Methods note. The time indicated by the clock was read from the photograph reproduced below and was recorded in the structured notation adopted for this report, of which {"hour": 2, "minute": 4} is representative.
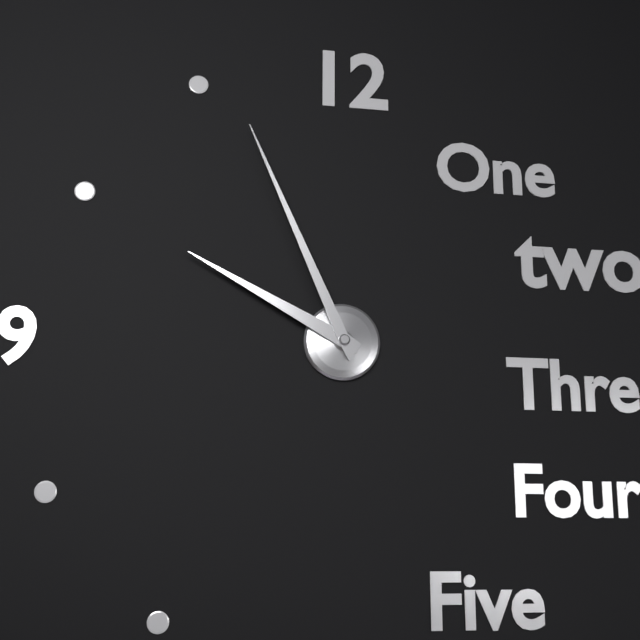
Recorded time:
{"hour": 9, "minute": 56}
